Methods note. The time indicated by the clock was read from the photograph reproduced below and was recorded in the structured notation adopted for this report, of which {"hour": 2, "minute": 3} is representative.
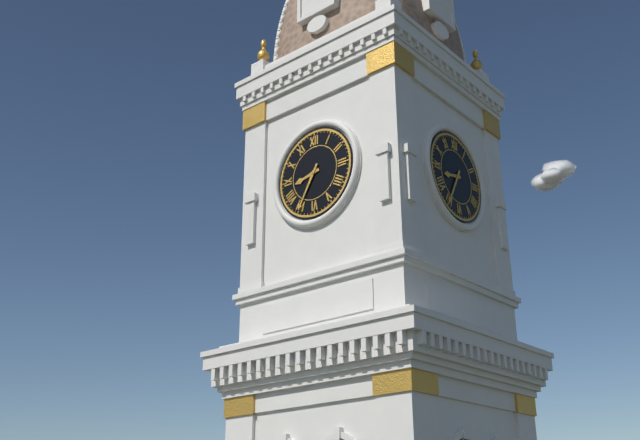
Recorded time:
{"hour": 8, "minute": 35}
